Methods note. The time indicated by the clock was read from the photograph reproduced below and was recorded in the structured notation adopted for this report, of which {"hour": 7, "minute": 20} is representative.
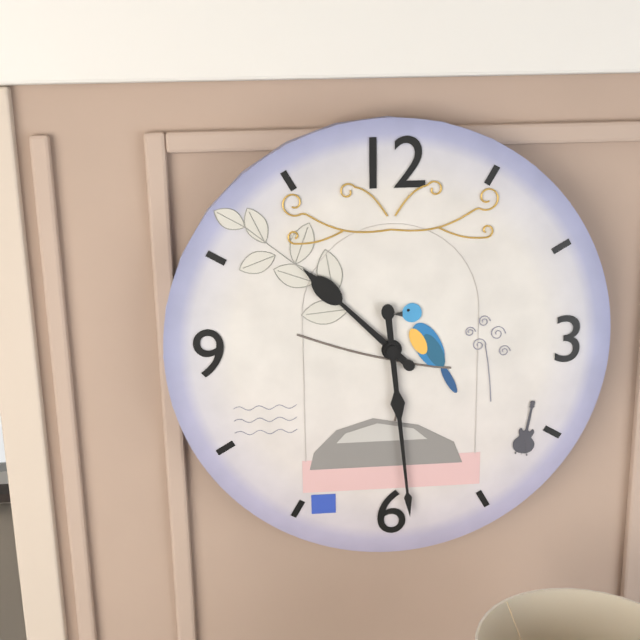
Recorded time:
{"hour": 10, "minute": 29}
